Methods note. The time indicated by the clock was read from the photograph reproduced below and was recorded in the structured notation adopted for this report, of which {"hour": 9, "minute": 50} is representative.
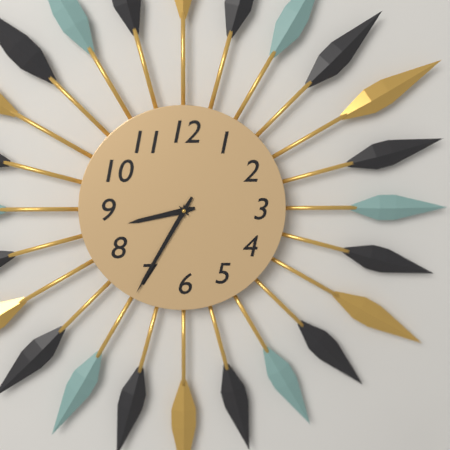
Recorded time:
{"hour": 8, "minute": 35}
